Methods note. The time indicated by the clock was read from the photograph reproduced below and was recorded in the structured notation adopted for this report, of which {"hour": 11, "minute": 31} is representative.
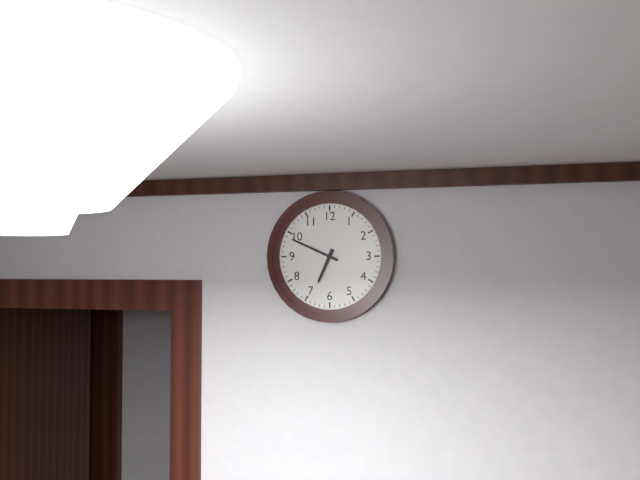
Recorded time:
{"hour": 6, "minute": 49}
